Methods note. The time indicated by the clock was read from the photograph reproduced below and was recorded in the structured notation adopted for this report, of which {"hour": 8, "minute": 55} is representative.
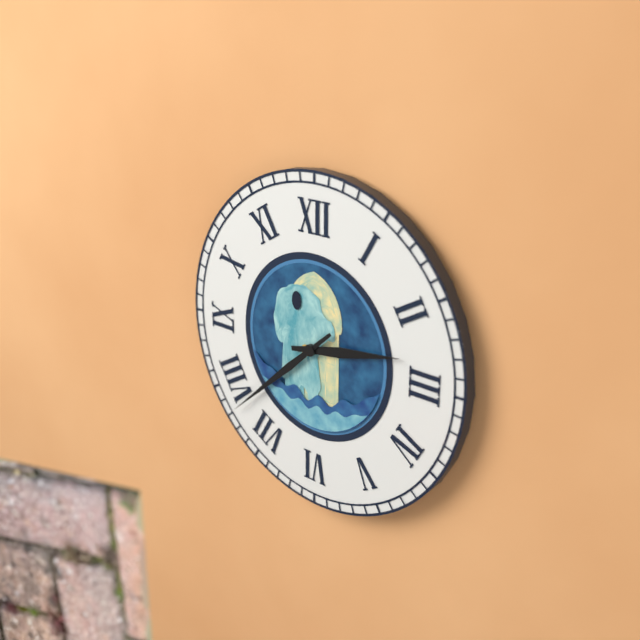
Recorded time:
{"hour": 2, "minute": 38}
